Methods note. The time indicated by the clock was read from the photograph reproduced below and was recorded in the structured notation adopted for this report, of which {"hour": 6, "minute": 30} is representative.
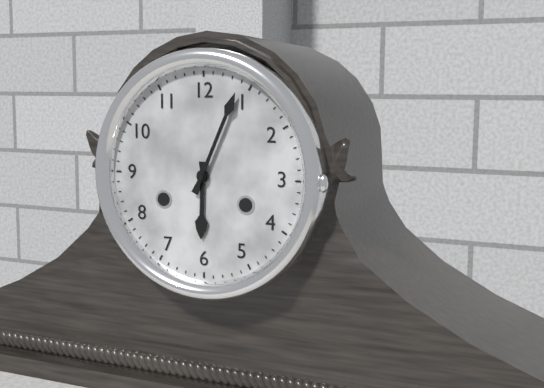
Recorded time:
{"hour": 6, "minute": 4}
